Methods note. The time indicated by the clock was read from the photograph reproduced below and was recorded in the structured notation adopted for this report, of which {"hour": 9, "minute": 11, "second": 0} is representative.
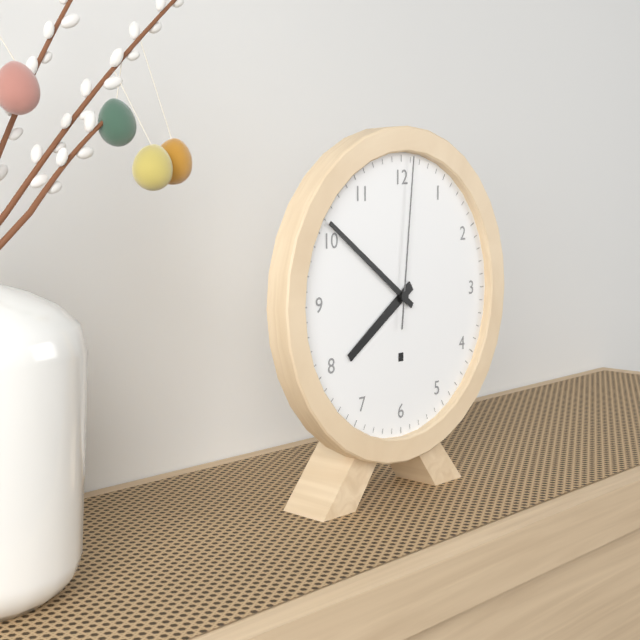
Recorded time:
{"hour": 7, "minute": 51, "second": 1}
